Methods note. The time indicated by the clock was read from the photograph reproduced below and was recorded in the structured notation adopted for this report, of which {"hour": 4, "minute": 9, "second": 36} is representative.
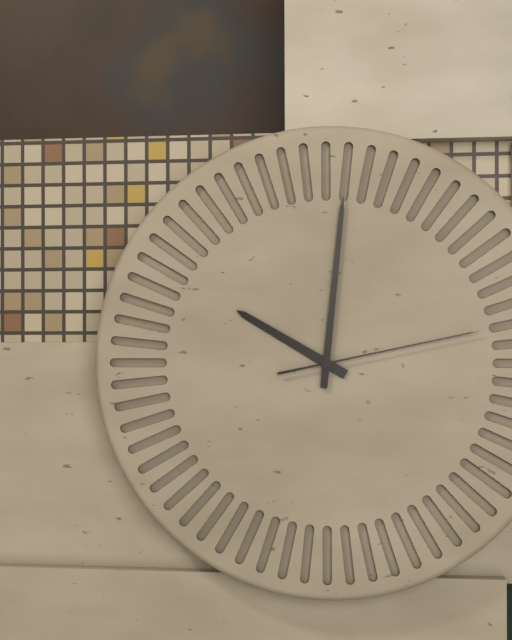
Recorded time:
{"hour": 10, "minute": 1, "second": 13}
